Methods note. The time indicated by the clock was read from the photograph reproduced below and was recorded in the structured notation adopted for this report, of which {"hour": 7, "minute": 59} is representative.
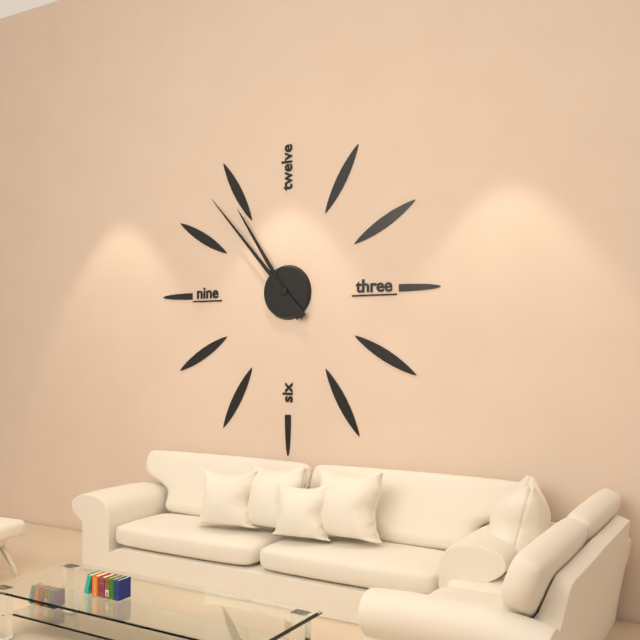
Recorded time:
{"hour": 10, "minute": 53}
